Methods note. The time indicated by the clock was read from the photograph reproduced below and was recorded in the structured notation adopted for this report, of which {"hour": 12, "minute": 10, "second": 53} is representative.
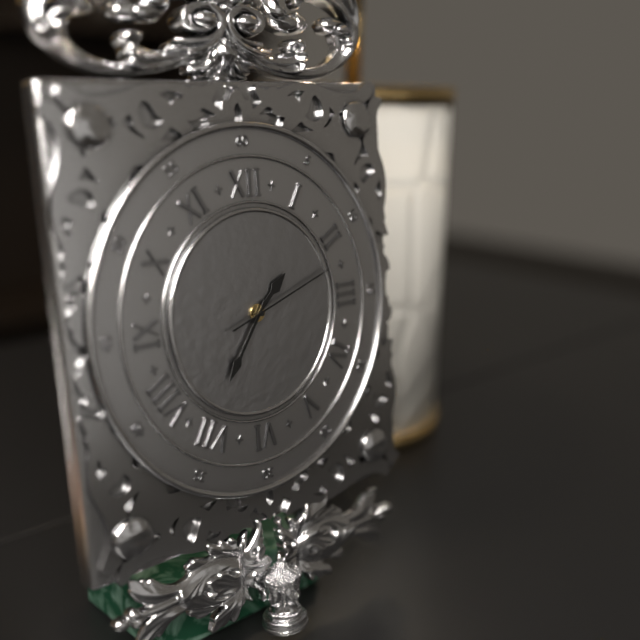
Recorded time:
{"hour": 1, "minute": 36, "second": 12}
